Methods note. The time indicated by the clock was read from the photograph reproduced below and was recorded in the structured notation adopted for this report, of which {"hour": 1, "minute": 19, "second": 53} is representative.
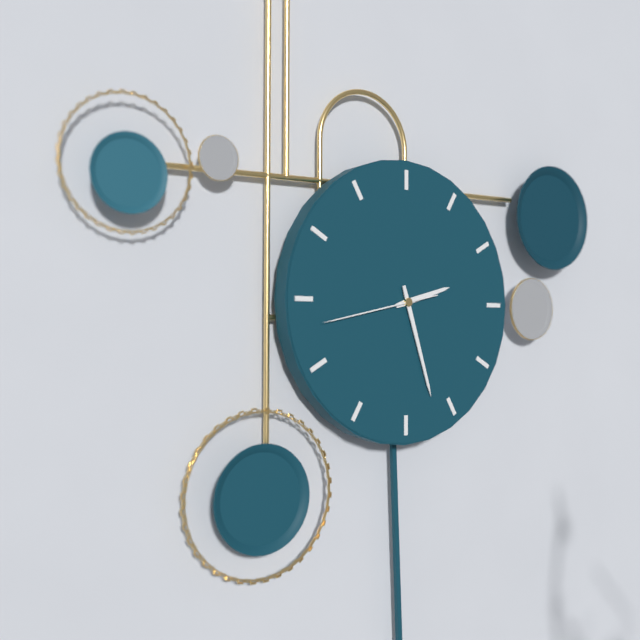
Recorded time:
{"hour": 2, "minute": 27, "second": 43}
